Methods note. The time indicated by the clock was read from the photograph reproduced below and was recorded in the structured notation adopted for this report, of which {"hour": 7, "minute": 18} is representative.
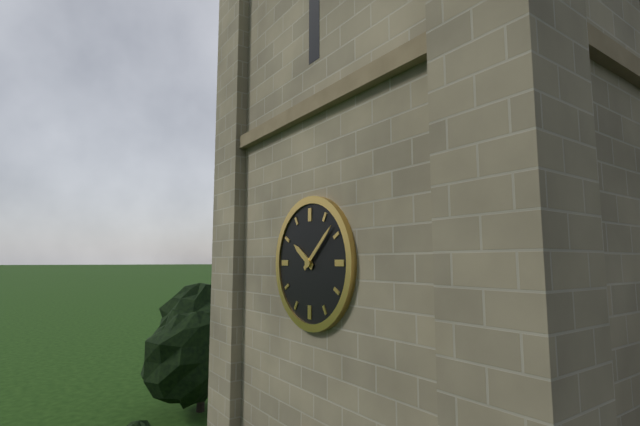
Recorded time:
{"hour": 10, "minute": 8}
